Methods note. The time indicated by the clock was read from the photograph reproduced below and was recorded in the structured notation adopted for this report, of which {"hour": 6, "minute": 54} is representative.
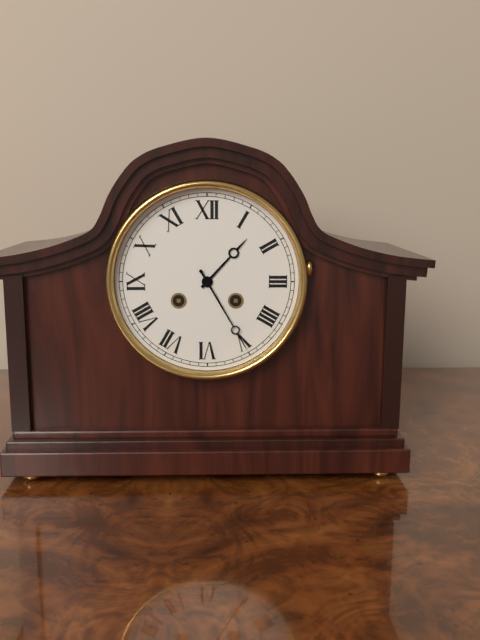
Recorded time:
{"hour": 1, "minute": 25}
